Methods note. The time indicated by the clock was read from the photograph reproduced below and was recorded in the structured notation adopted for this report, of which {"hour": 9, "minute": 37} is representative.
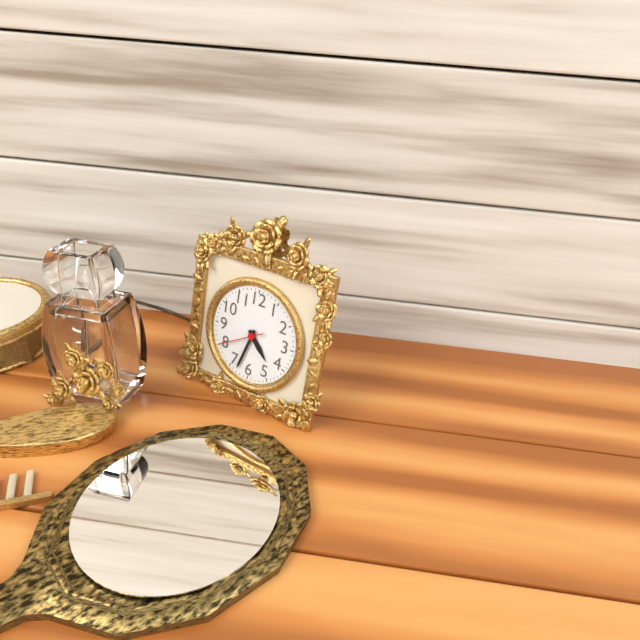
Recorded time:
{"hour": 4, "minute": 33}
